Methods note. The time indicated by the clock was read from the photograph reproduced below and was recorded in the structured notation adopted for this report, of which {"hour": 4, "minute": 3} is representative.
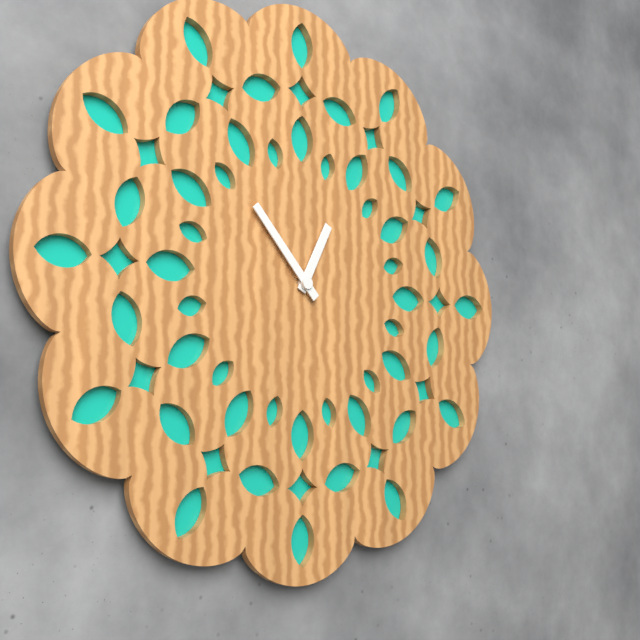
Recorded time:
{"hour": 12, "minute": 53}
